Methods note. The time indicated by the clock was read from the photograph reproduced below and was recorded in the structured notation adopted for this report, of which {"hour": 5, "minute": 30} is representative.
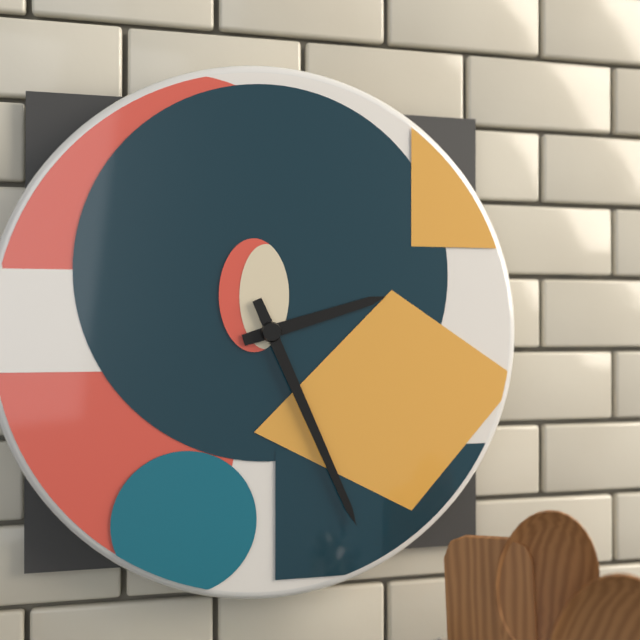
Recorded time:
{"hour": 2, "minute": 26}
